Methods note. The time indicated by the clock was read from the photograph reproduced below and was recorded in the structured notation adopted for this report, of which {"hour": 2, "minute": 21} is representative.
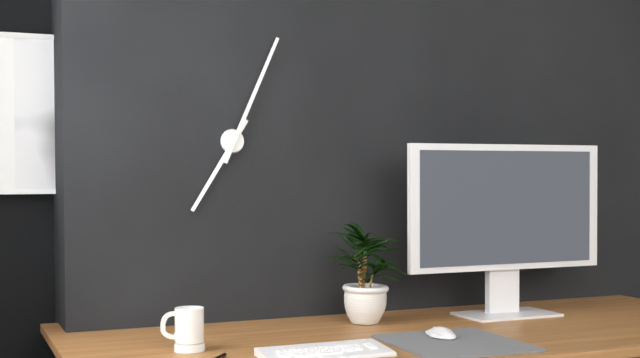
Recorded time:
{"hour": 7, "minute": 4}
